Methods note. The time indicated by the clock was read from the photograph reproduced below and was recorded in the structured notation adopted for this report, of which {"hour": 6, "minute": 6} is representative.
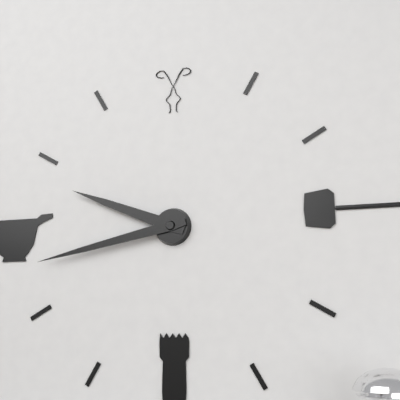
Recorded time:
{"hour": 9, "minute": 43}
